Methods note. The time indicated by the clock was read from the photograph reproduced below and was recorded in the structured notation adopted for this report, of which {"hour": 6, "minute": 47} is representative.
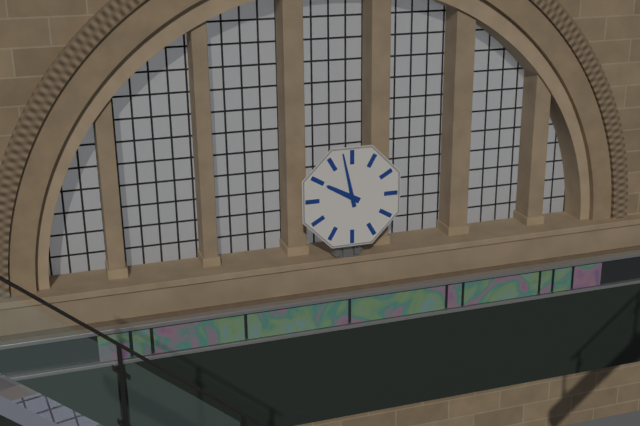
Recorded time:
{"hour": 9, "minute": 58}
